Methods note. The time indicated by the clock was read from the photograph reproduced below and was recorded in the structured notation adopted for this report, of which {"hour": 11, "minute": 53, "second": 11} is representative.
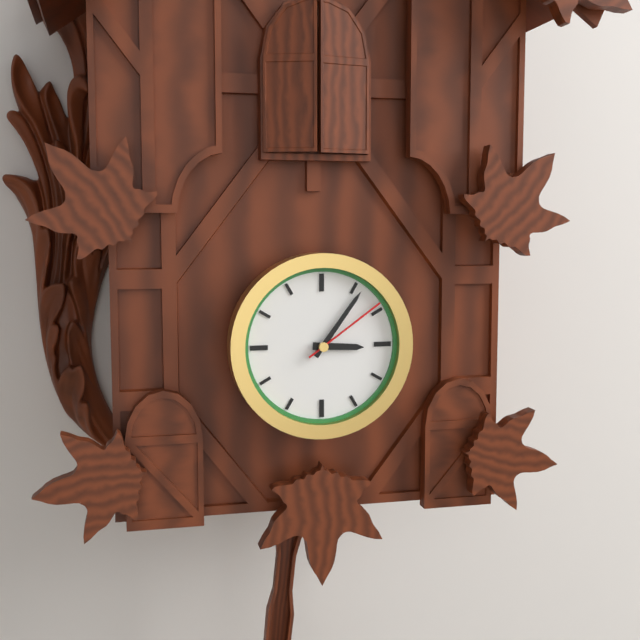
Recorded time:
{"hour": 3, "minute": 6, "second": 9}
